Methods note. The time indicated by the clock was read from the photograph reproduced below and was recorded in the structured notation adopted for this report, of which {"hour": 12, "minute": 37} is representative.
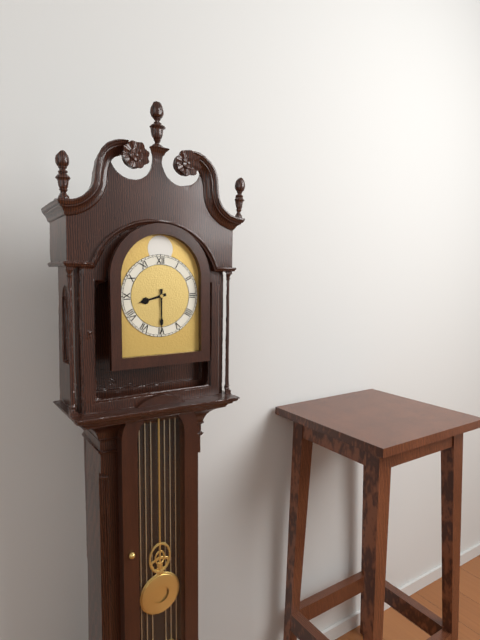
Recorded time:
{"hour": 8, "minute": 30}
